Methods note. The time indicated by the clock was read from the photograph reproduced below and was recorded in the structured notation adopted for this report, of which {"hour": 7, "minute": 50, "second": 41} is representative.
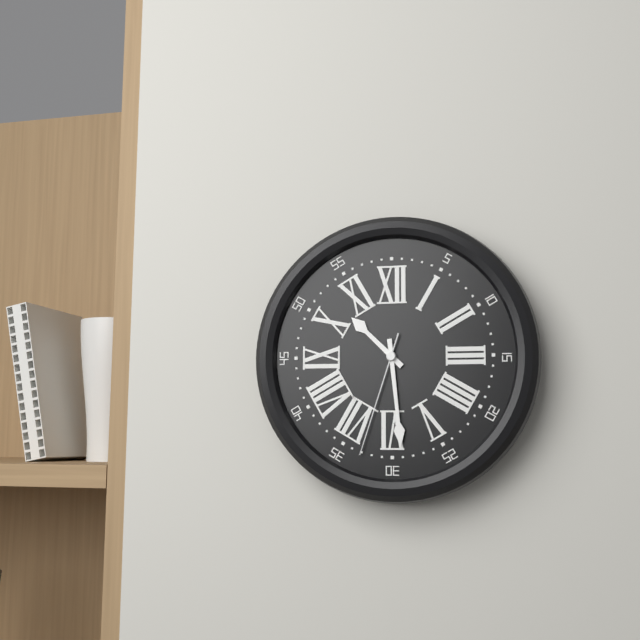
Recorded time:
{"hour": 10, "minute": 29, "second": 33}
